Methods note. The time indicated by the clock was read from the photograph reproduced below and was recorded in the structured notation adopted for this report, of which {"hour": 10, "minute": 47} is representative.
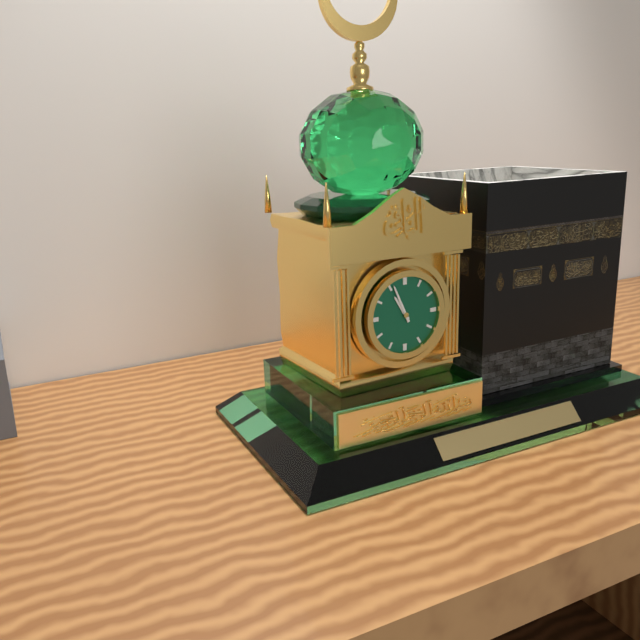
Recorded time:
{"hour": 10, "minute": 56}
